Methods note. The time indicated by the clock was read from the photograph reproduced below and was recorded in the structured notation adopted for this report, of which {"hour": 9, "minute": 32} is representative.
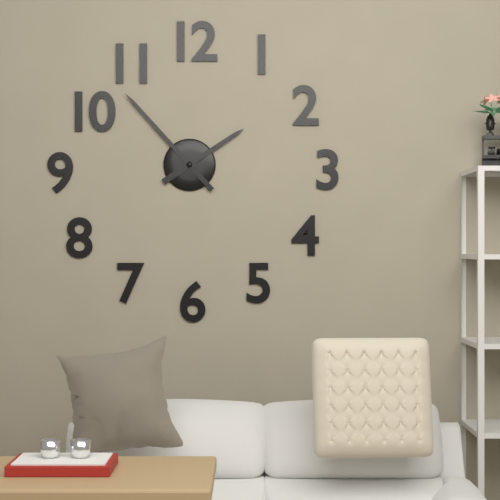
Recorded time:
{"hour": 1, "minute": 53}
